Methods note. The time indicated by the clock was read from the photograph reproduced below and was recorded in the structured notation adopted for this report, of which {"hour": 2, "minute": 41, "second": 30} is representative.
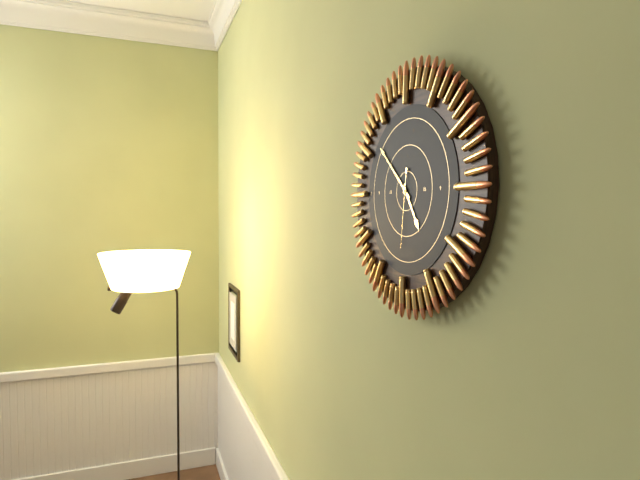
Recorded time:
{"hour": 4, "minute": 52, "second": 31}
